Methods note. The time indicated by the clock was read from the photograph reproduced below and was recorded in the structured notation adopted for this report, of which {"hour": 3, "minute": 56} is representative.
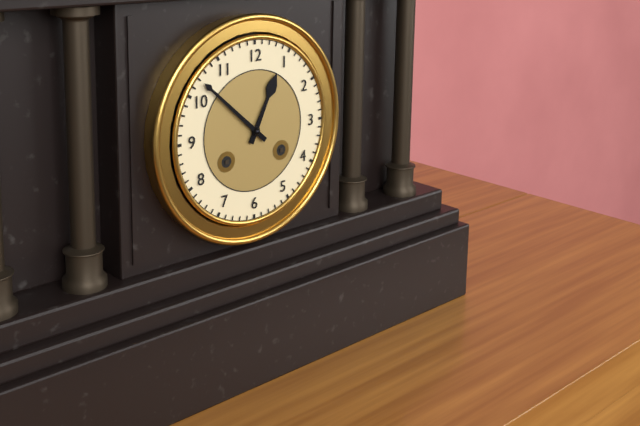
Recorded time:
{"hour": 12, "minute": 52}
